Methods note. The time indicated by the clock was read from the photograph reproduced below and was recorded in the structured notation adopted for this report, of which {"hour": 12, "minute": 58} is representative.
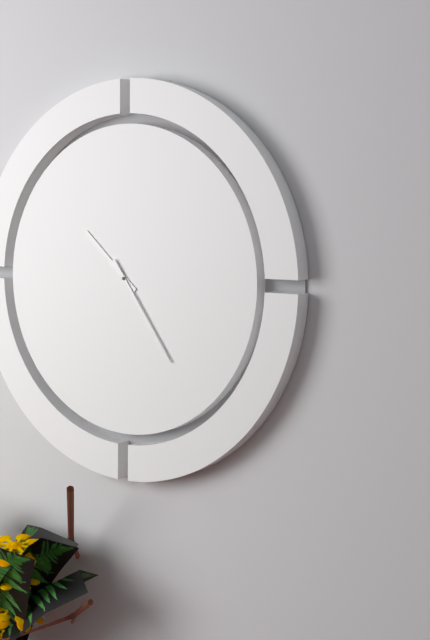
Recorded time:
{"hour": 10, "minute": 24}
